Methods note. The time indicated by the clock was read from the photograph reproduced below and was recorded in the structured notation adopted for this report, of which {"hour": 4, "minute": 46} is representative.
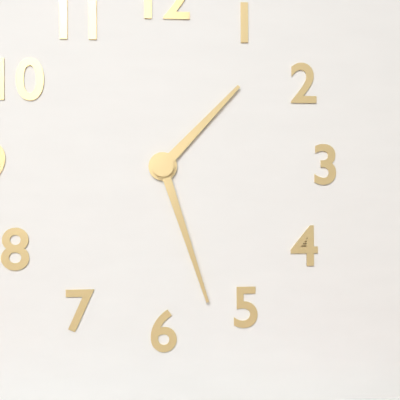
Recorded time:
{"hour": 1, "minute": 27}
